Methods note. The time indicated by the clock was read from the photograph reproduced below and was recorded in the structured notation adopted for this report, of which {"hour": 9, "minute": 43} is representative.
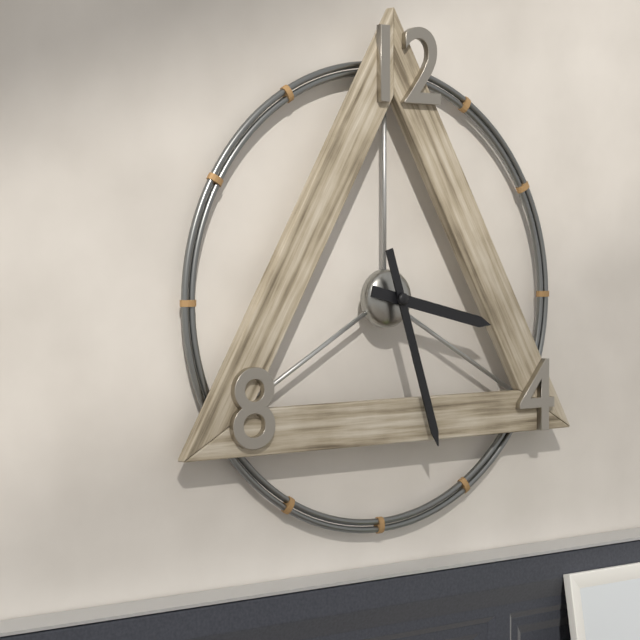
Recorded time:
{"hour": 3, "minute": 27}
